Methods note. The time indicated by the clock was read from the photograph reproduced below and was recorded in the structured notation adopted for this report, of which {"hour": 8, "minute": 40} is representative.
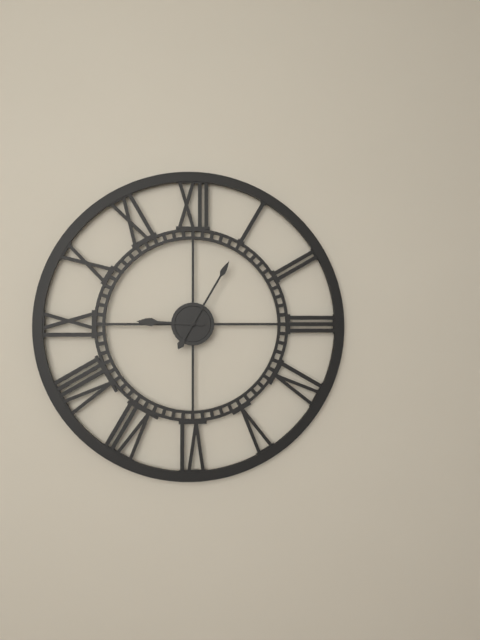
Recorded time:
{"hour": 9, "minute": 5}
